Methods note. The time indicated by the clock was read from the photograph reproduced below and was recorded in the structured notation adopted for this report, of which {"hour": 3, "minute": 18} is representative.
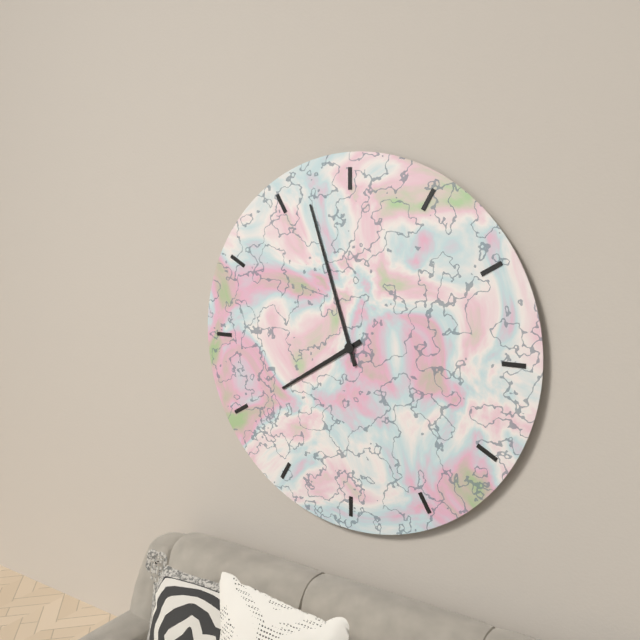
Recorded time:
{"hour": 7, "minute": 57}
